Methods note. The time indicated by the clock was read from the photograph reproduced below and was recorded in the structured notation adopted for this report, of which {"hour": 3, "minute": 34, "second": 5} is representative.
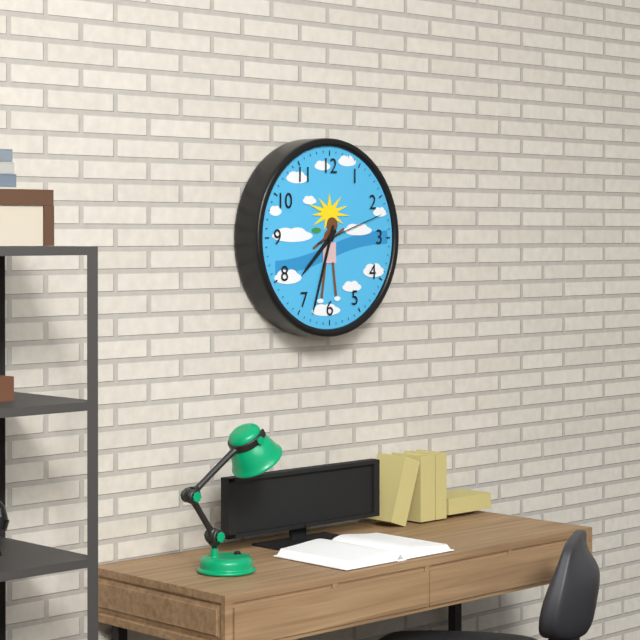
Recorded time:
{"hour": 7, "minute": 33, "second": 12}
